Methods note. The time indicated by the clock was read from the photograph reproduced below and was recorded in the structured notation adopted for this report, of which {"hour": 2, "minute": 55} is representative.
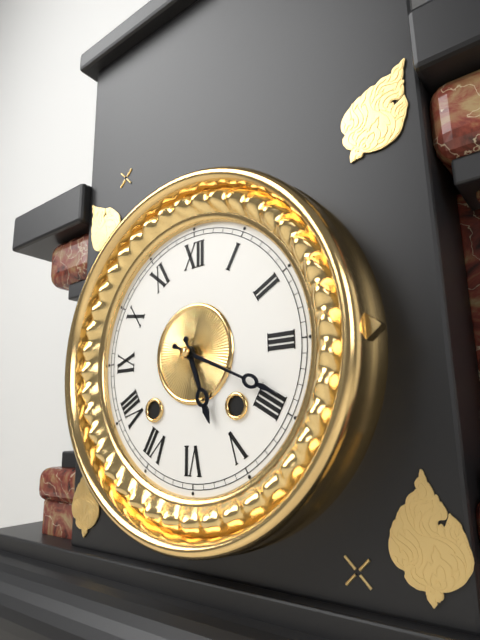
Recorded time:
{"hour": 5, "minute": 19}
